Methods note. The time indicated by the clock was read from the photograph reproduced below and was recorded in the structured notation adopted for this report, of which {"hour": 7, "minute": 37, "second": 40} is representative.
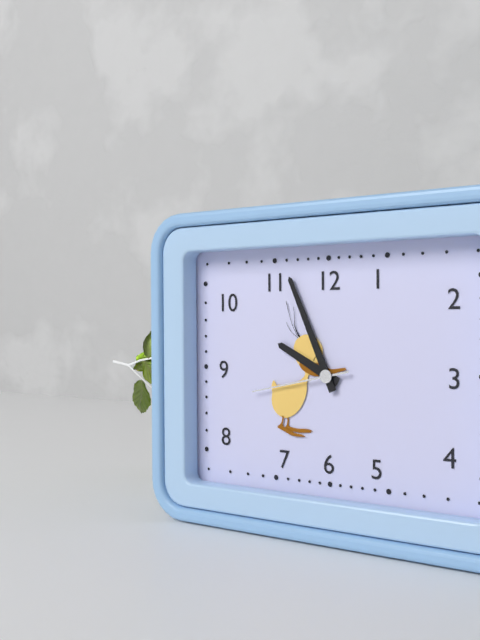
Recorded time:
{"hour": 9, "minute": 56, "second": 43}
